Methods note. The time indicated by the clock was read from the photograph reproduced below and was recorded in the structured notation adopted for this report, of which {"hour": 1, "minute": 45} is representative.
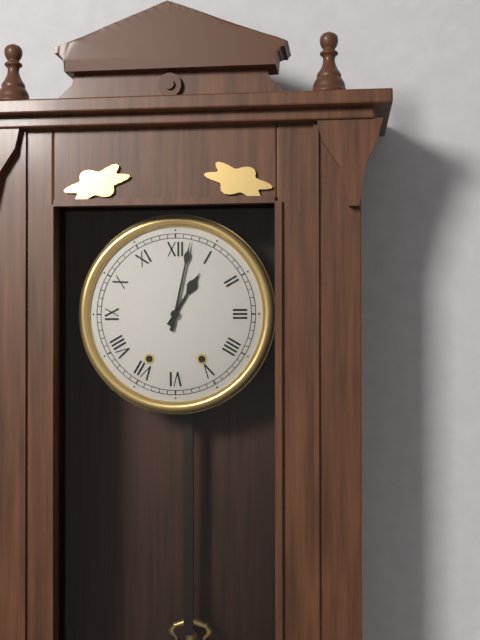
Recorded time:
{"hour": 1, "minute": 2}
